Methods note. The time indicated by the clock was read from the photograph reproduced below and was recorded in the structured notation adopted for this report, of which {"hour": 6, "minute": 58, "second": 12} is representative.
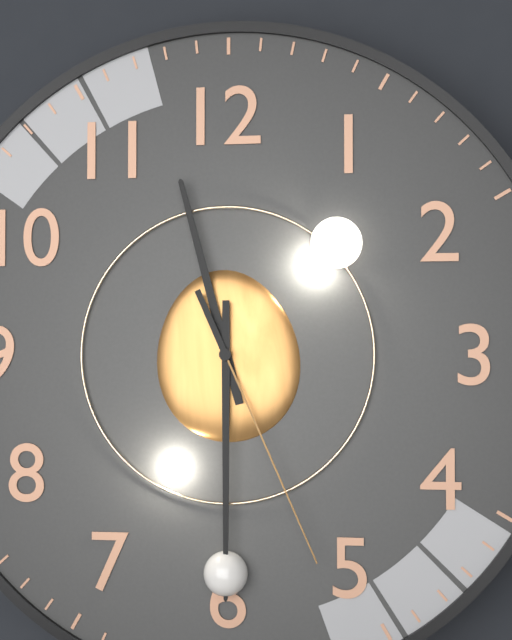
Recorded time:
{"hour": 11, "minute": 30, "second": 26}
